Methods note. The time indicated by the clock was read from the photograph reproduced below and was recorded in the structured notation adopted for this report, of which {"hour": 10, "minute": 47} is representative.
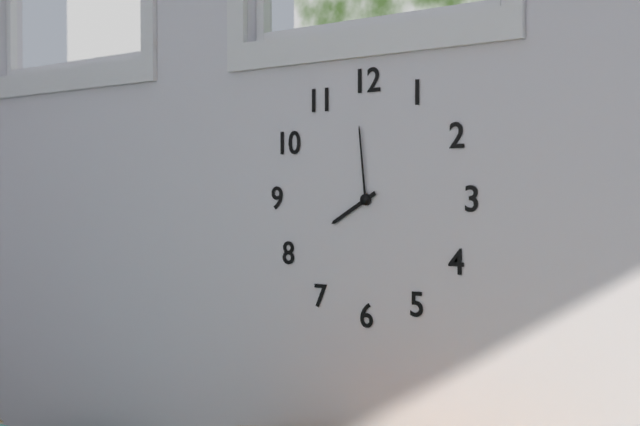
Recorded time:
{"hour": 7, "minute": 59}
